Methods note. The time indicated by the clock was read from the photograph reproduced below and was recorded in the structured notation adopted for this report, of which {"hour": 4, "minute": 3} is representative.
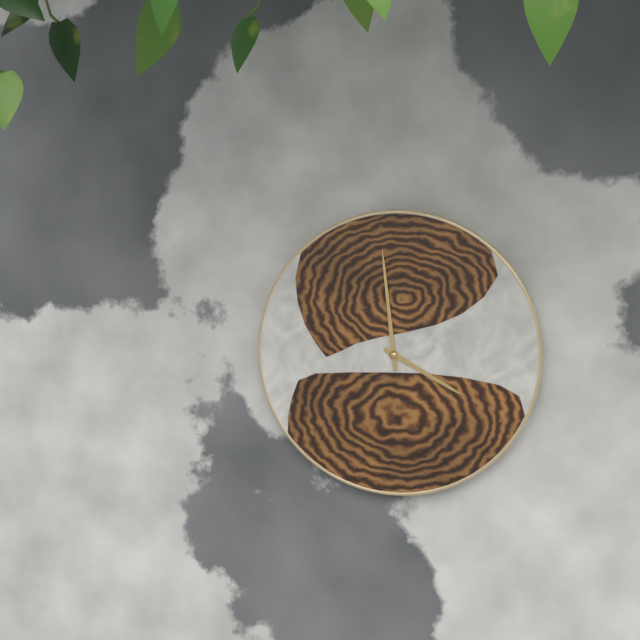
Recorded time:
{"hour": 3, "minute": 59}
